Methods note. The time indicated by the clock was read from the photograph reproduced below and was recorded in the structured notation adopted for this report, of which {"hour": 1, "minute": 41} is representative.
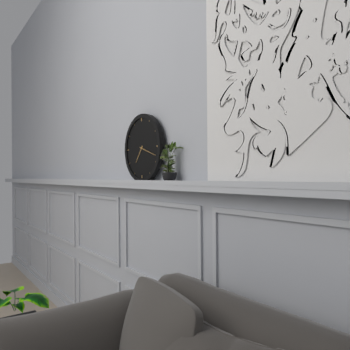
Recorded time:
{"hour": 7, "minute": 18}
